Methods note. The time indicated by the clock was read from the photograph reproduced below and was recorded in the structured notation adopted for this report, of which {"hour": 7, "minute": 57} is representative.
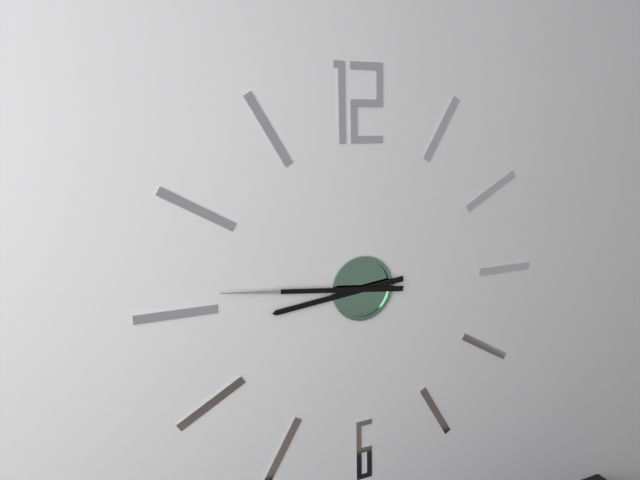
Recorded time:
{"hour": 8, "minute": 46}
